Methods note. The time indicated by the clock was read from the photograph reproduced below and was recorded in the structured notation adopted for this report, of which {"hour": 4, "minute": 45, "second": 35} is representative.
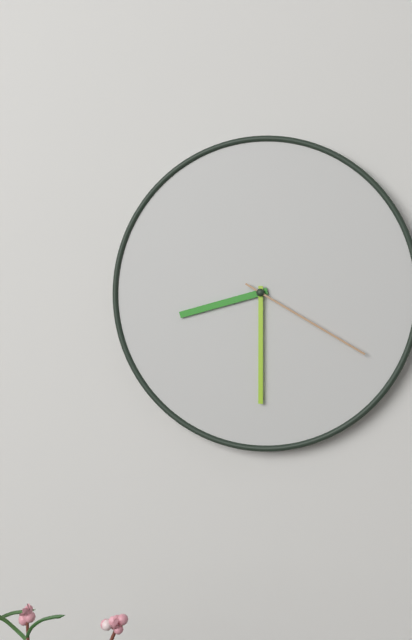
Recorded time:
{"hour": 8, "minute": 30, "second": 20}
